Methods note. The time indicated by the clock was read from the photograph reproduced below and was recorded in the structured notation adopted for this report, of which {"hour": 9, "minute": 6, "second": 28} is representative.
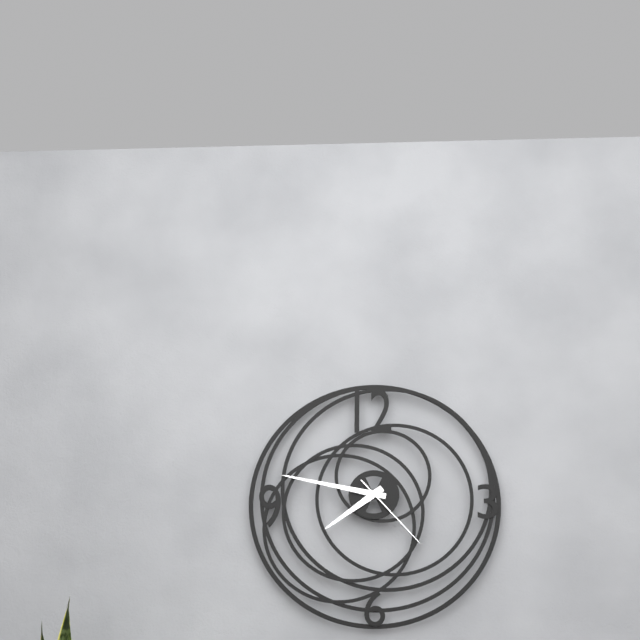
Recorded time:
{"hour": 7, "minute": 47, "second": 23}
